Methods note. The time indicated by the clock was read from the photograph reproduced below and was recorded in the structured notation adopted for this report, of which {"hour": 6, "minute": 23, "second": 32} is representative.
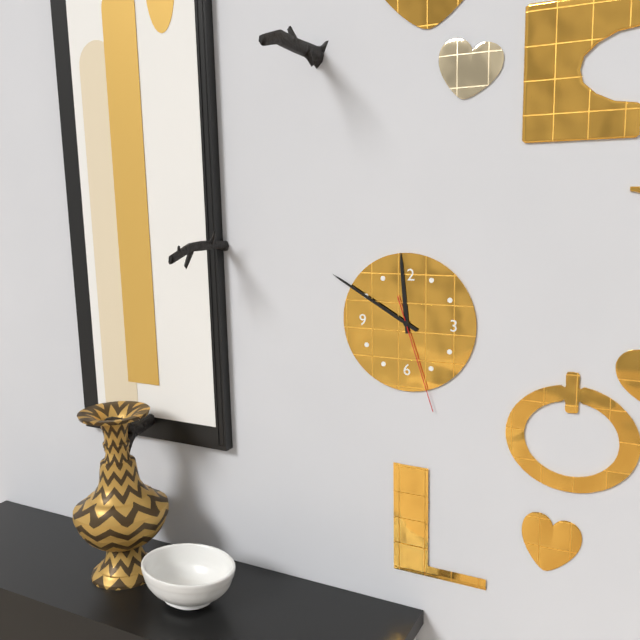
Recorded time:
{"hour": 11, "minute": 50, "second": 27}
